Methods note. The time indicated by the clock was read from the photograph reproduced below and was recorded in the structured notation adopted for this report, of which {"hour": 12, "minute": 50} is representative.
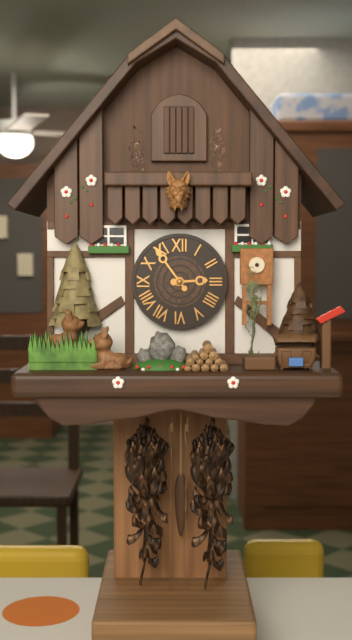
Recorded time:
{"hour": 2, "minute": 54}
